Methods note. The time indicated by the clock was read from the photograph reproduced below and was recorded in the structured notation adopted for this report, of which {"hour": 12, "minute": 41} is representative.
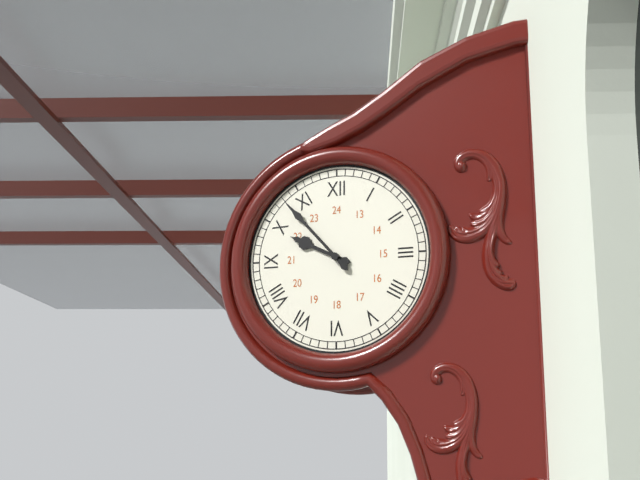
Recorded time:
{"hour": 9, "minute": 53}
